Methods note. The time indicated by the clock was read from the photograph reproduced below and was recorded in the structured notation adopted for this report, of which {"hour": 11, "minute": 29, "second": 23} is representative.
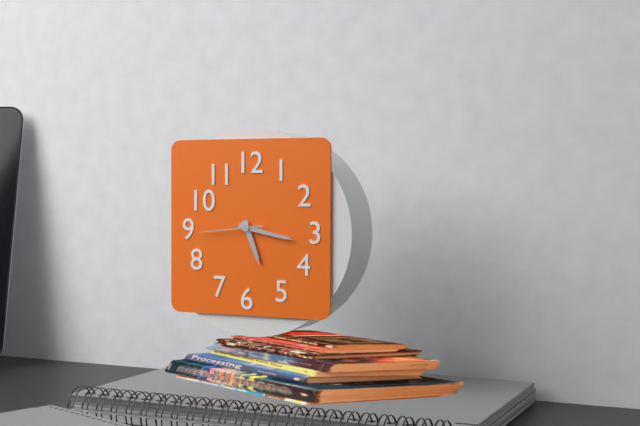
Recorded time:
{"hour": 5, "minute": 17, "second": 44}
